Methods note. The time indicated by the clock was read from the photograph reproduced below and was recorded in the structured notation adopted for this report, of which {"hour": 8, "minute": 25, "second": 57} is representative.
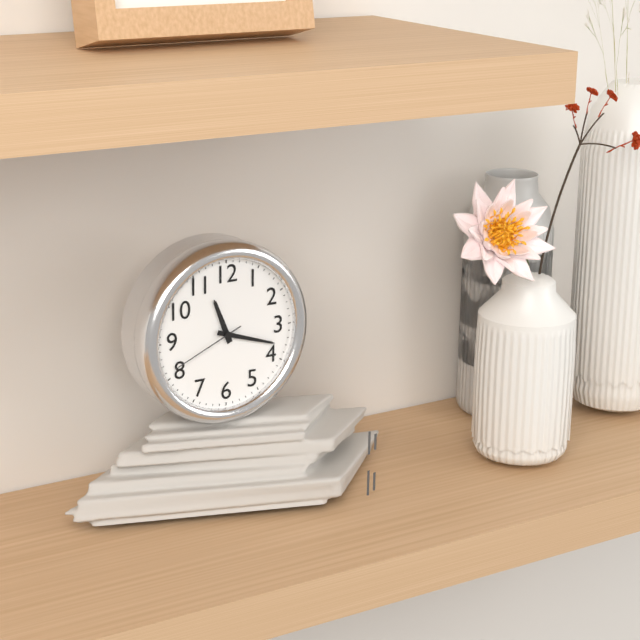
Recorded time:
{"hour": 11, "minute": 18, "second": 41}
